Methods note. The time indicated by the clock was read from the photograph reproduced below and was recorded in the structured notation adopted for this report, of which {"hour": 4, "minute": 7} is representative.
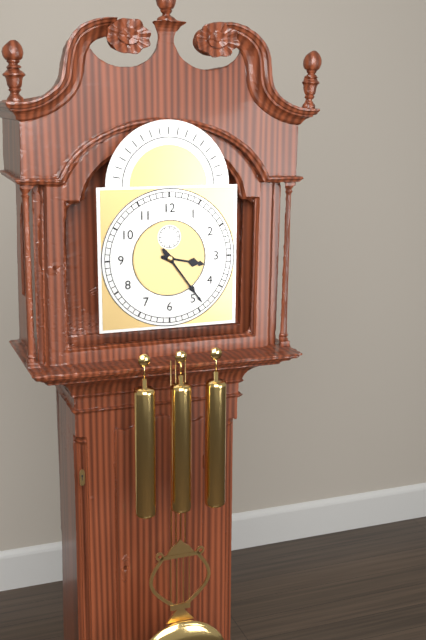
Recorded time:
{"hour": 3, "minute": 24}
